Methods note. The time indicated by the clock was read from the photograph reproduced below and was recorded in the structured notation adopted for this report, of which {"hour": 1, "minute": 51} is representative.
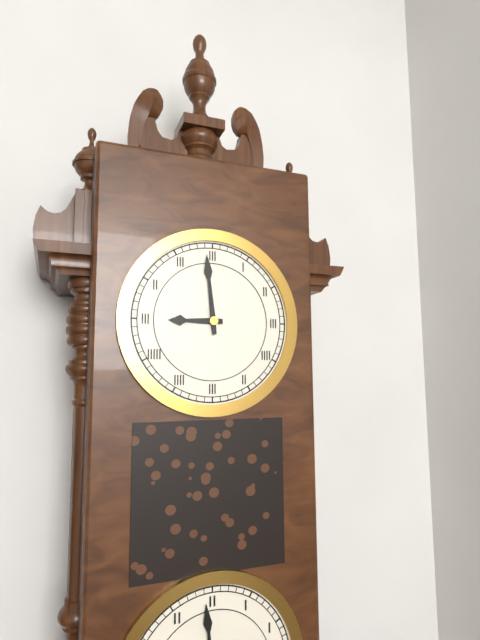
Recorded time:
{"hour": 8, "minute": 59}
